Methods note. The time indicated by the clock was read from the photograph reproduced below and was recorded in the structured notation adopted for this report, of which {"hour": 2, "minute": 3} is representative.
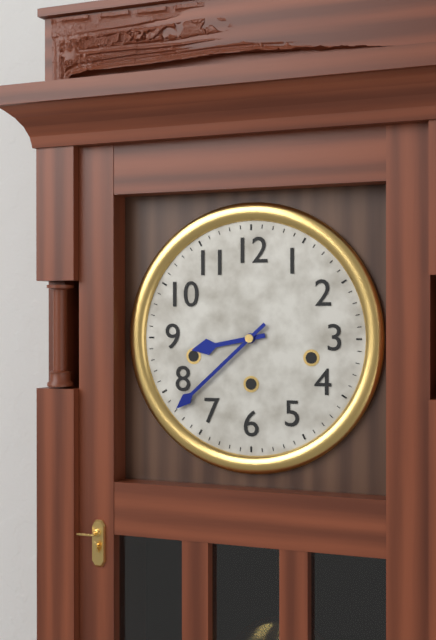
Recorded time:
{"hour": 8, "minute": 38}
